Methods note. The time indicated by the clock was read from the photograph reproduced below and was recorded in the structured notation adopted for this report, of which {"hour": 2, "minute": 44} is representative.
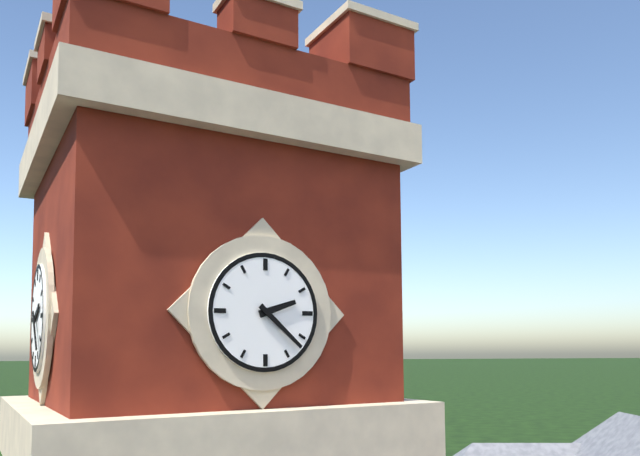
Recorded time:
{"hour": 2, "minute": 22}
